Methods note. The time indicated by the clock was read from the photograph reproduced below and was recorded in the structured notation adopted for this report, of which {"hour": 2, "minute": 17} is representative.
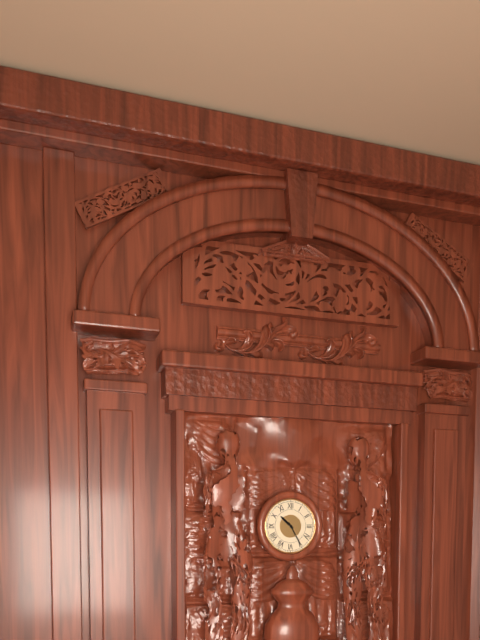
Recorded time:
{"hour": 10, "minute": 25}
